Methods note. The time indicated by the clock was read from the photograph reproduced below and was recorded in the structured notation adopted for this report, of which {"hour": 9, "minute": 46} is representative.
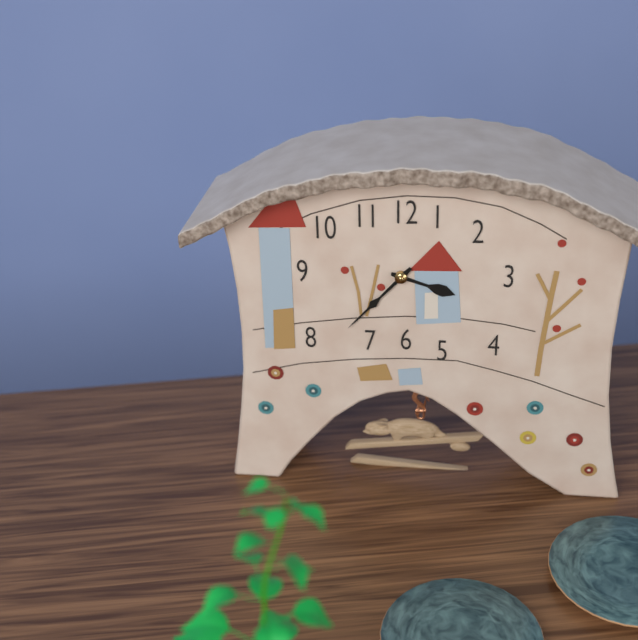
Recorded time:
{"hour": 3, "minute": 37}
